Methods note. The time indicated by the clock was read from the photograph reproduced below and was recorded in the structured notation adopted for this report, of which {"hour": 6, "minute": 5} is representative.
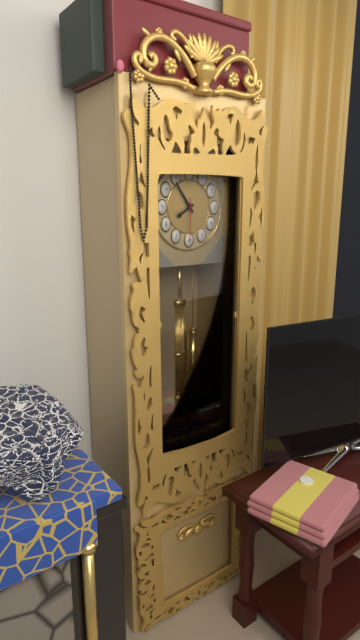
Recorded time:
{"hour": 7, "minute": 54}
